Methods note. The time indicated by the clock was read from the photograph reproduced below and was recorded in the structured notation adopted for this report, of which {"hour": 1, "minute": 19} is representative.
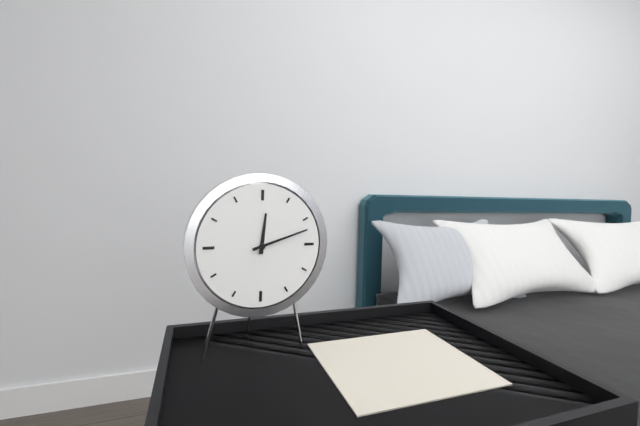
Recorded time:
{"hour": 12, "minute": 12}
